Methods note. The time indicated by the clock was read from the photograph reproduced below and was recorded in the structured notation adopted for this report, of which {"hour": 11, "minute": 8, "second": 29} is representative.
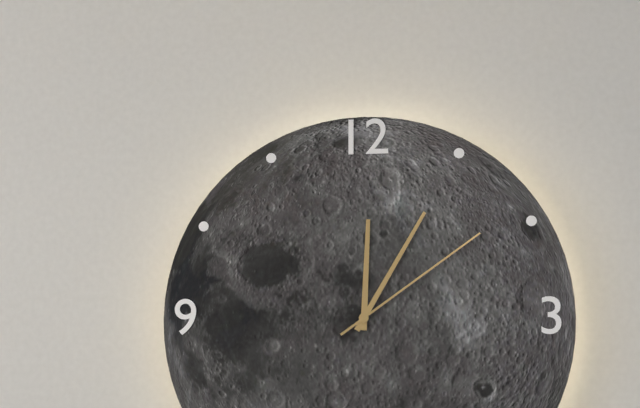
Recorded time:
{"hour": 12, "minute": 5, "second": 9}
